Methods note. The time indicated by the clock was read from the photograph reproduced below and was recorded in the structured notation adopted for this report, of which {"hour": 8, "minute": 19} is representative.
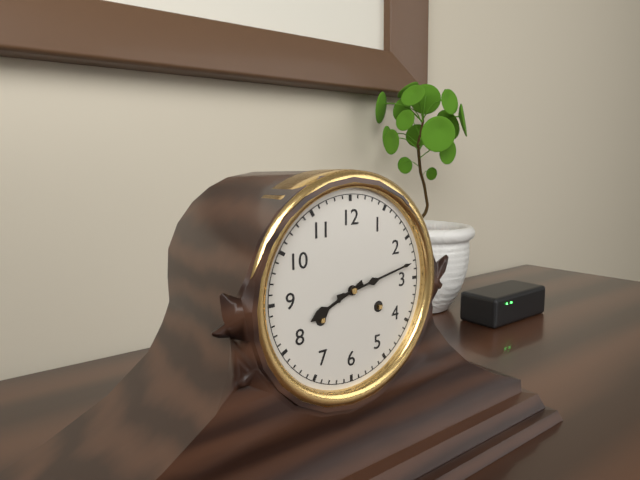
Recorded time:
{"hour": 8, "minute": 13}
